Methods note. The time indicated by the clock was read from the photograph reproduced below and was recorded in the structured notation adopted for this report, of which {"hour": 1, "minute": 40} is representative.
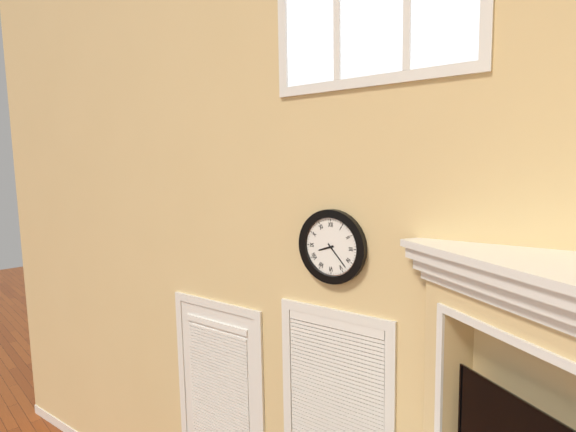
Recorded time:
{"hour": 8, "minute": 23}
